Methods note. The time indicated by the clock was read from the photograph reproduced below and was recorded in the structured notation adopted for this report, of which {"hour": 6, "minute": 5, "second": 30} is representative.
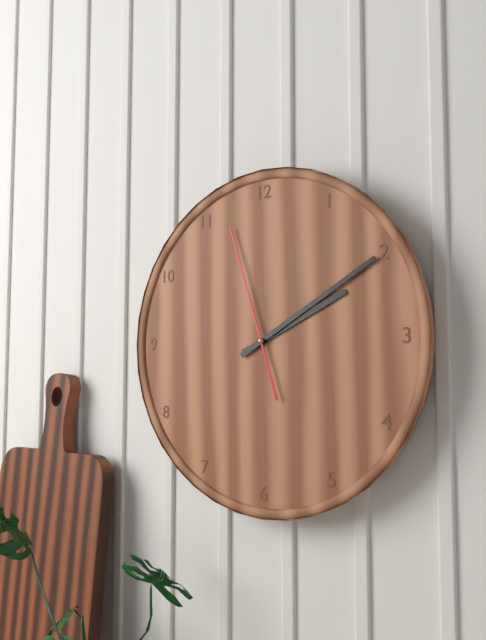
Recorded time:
{"hour": 2, "minute": 10, "second": 57}
